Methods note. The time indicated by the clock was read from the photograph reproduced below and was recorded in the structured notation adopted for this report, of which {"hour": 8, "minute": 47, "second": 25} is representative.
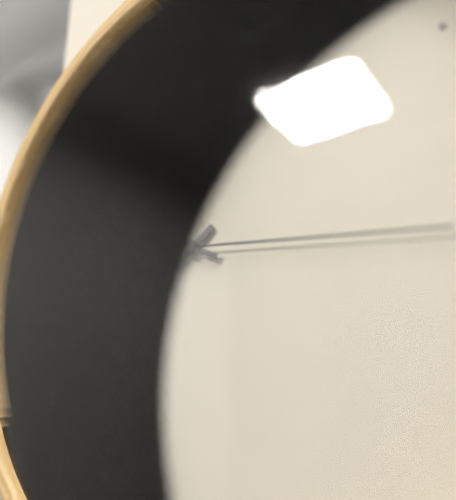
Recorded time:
{"hour": 7, "minute": 49, "second": 16}
